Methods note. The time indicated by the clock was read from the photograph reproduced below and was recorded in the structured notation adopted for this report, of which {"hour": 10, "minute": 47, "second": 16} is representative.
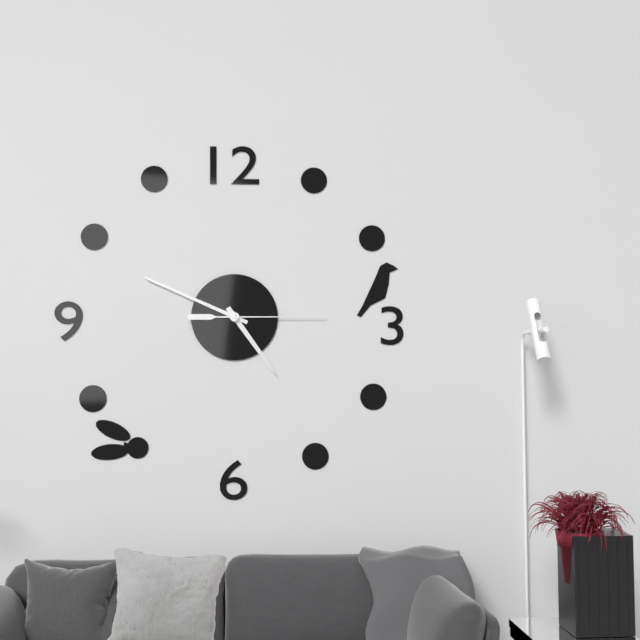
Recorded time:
{"hour": 4, "minute": 49, "second": 15}
